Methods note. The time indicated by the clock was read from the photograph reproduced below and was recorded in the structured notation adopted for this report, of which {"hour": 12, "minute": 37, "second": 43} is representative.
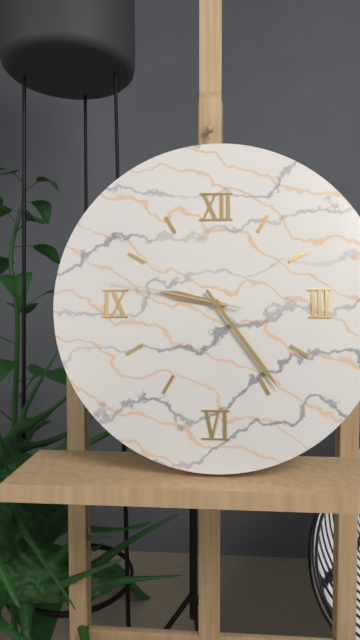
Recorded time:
{"hour": 9, "minute": 24, "second": 47}
